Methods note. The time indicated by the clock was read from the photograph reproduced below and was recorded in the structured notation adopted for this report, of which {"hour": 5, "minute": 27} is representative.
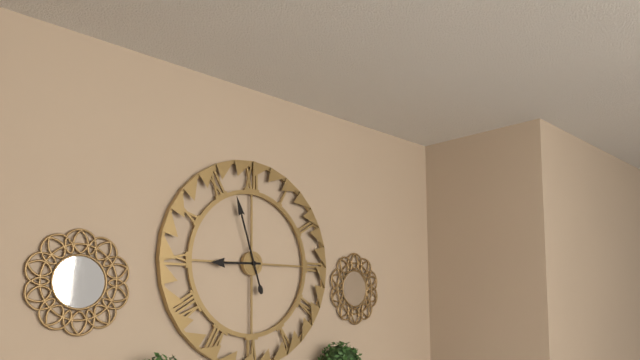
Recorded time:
{"hour": 8, "minute": 57}
